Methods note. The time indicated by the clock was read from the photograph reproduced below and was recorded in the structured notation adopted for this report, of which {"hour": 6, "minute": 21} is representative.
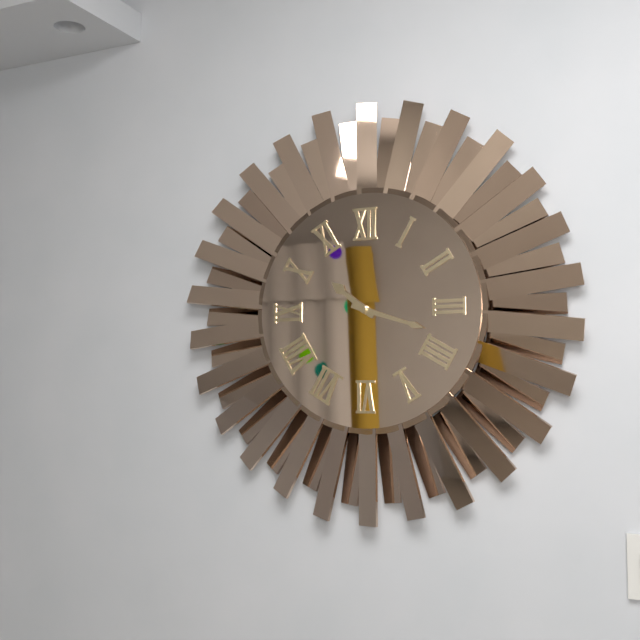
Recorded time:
{"hour": 10, "minute": 18}
